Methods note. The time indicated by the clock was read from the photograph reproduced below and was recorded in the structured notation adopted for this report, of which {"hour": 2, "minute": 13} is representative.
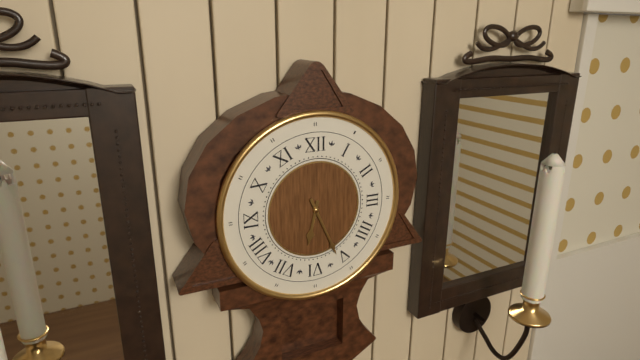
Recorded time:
{"hour": 6, "minute": 26}
